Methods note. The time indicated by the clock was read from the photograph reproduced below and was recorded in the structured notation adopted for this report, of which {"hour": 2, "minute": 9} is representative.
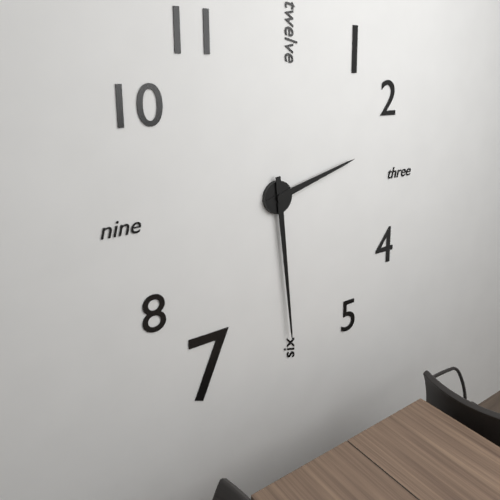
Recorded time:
{"hour": 2, "minute": 29}
